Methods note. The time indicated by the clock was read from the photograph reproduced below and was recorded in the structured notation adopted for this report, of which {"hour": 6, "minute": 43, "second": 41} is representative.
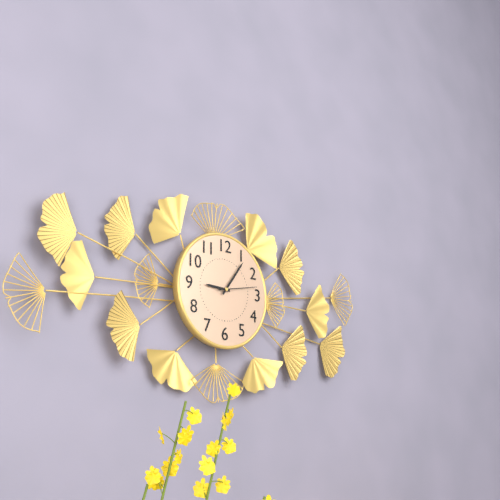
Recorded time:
{"hour": 9, "minute": 6, "second": 13}
